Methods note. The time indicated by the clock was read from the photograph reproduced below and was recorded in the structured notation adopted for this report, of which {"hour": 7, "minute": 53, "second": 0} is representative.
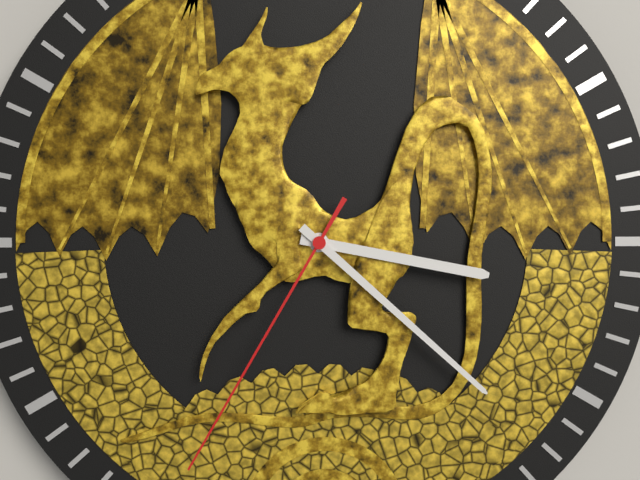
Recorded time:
{"hour": 3, "minute": 22, "second": 35}
